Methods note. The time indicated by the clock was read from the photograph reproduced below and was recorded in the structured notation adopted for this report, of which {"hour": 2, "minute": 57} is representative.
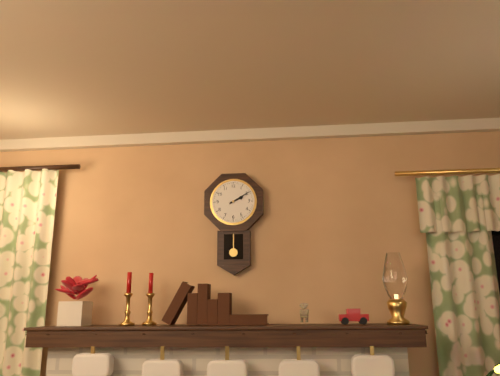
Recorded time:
{"hour": 2, "minute": 10}
